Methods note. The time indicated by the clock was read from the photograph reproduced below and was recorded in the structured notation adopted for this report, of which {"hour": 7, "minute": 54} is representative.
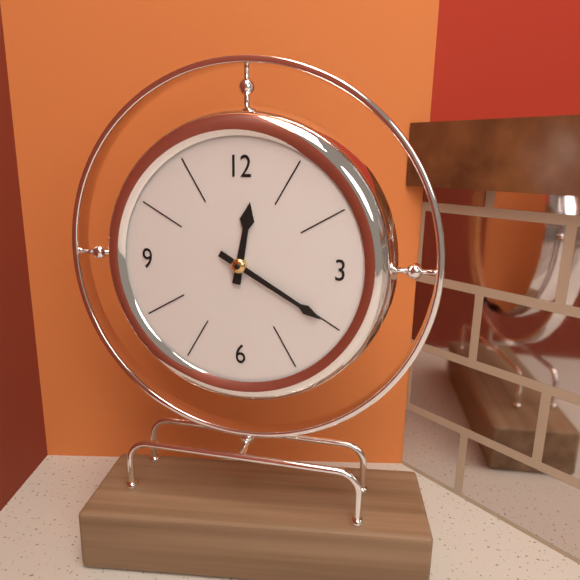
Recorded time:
{"hour": 12, "minute": 20}
